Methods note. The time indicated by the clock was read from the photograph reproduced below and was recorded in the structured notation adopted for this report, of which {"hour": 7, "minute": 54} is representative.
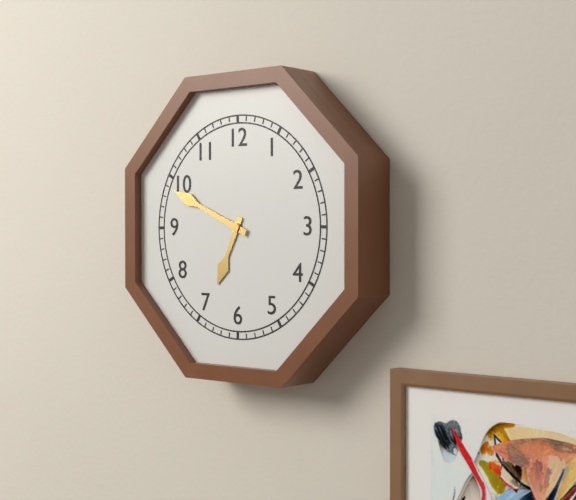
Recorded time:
{"hour": 6, "minute": 49}
